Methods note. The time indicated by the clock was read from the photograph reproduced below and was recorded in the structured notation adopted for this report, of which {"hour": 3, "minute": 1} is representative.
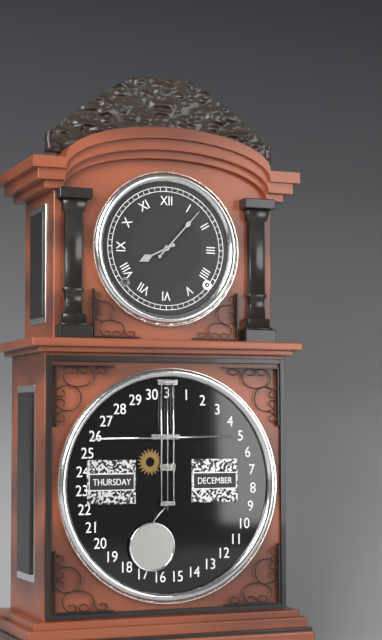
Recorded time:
{"hour": 8, "minute": 7}
